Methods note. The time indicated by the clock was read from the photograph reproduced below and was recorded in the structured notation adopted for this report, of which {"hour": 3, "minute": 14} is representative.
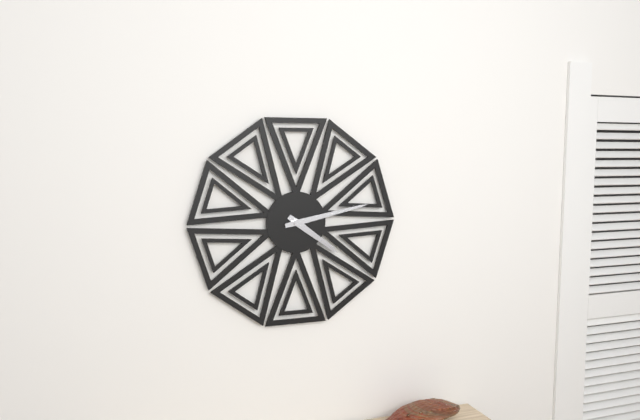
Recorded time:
{"hour": 4, "minute": 13}
